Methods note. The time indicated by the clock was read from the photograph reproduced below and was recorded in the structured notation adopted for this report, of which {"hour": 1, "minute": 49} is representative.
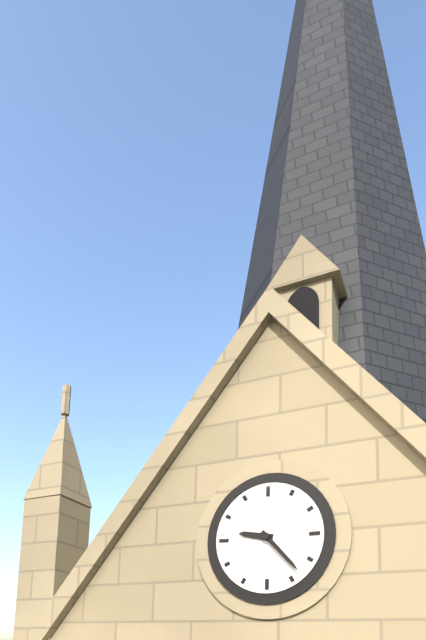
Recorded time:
{"hour": 9, "minute": 23}
